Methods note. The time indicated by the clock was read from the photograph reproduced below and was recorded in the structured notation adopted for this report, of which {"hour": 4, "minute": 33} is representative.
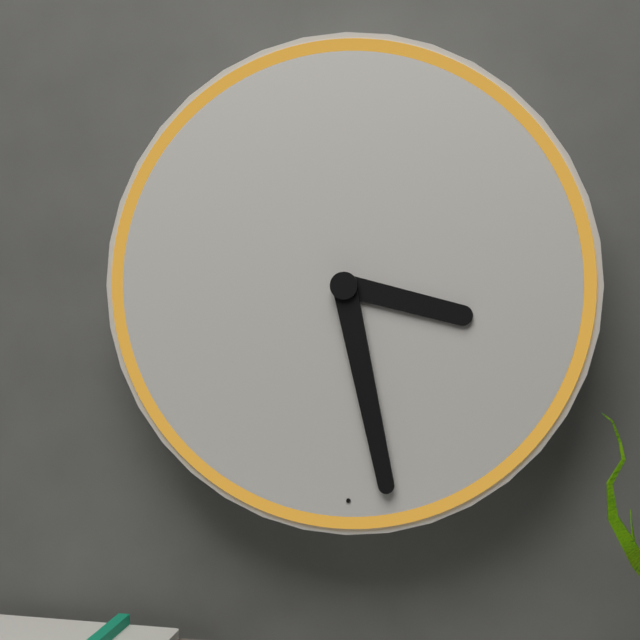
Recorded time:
{"hour": 3, "minute": 28}
